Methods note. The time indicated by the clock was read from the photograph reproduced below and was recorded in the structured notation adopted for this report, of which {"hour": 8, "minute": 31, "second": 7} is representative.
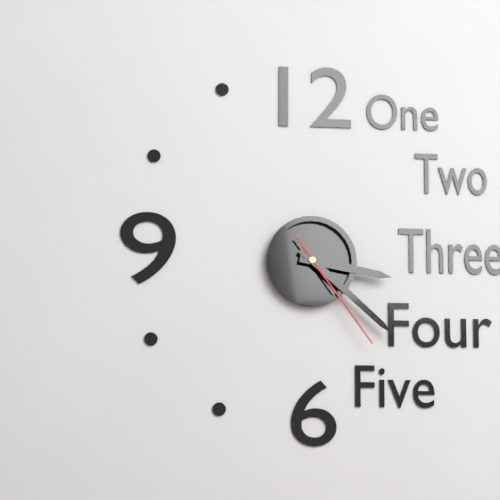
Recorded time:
{"hour": 3, "minute": 22, "second": 24}
